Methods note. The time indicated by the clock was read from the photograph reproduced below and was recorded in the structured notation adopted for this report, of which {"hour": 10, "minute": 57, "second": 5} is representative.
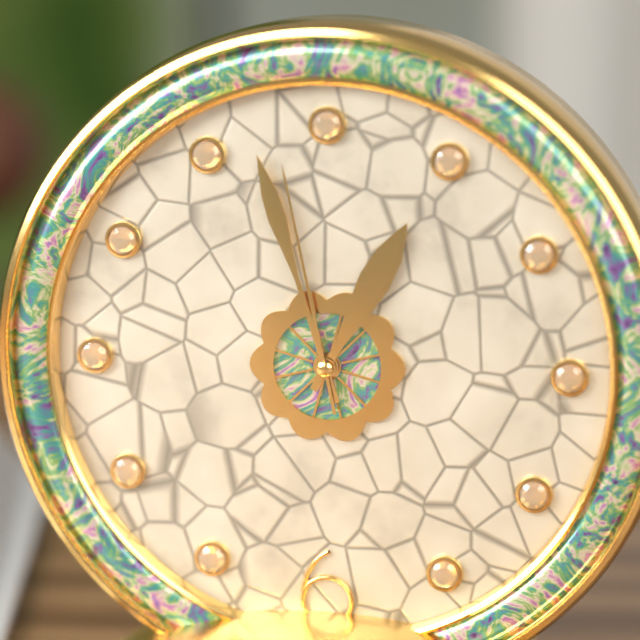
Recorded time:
{"hour": 12, "minute": 57, "second": 58}
